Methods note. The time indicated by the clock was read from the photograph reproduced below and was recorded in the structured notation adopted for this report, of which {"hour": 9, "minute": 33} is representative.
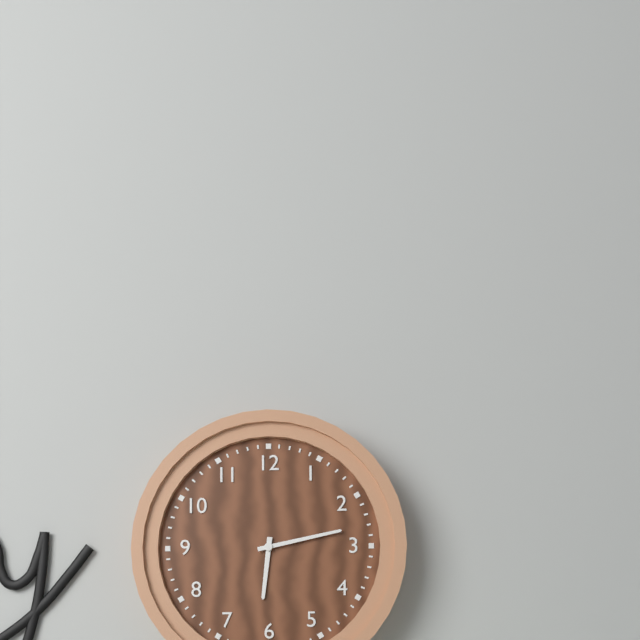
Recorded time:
{"hour": 6, "minute": 13}
